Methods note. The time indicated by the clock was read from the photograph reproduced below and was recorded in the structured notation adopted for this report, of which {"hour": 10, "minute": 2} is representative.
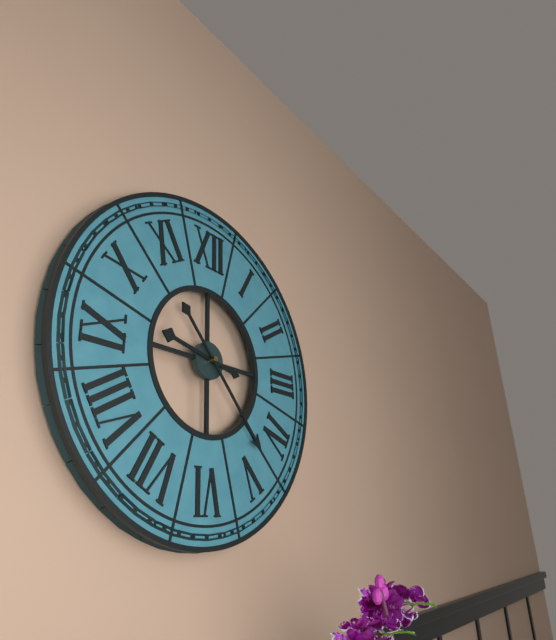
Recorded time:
{"hour": 9, "minute": 23}
